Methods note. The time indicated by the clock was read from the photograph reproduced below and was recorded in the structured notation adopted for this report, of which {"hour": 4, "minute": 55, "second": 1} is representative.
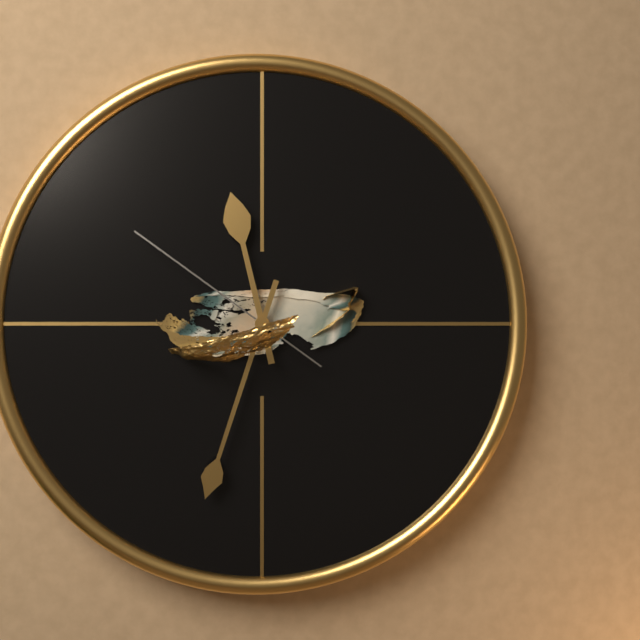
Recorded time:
{"hour": 11, "minute": 33, "second": 51}
